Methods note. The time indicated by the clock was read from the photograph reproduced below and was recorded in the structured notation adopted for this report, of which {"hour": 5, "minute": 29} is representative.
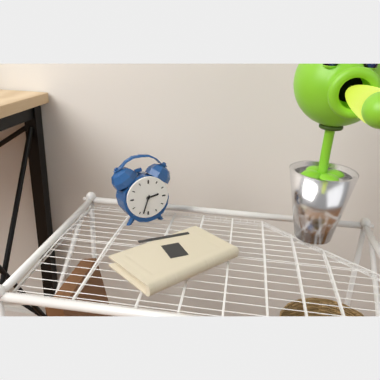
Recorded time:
{"hour": 2, "minute": 33}
